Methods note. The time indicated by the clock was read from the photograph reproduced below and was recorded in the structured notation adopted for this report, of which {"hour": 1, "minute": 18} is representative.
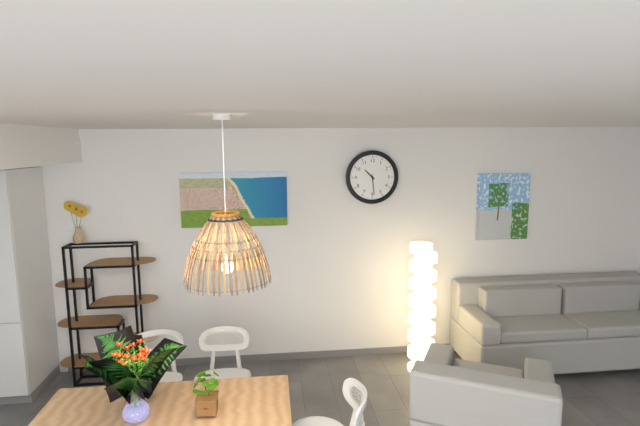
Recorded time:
{"hour": 10, "minute": 29}
